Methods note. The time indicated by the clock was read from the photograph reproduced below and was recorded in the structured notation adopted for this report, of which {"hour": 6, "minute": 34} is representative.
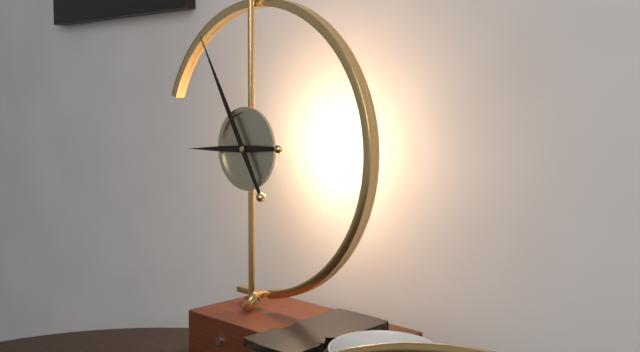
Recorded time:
{"hour": 8, "minute": 55}
